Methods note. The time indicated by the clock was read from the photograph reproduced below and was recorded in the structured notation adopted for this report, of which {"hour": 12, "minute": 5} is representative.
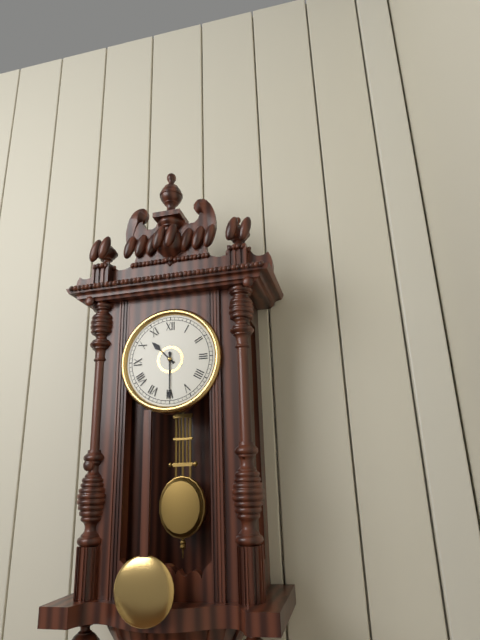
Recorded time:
{"hour": 10, "minute": 30}
